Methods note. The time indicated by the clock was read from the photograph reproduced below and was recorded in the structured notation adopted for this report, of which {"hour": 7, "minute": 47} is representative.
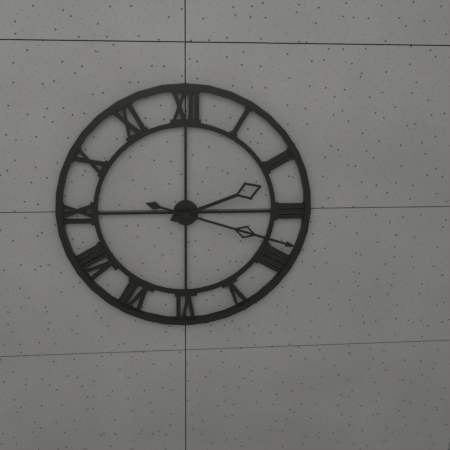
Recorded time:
{"hour": 2, "minute": 18}
